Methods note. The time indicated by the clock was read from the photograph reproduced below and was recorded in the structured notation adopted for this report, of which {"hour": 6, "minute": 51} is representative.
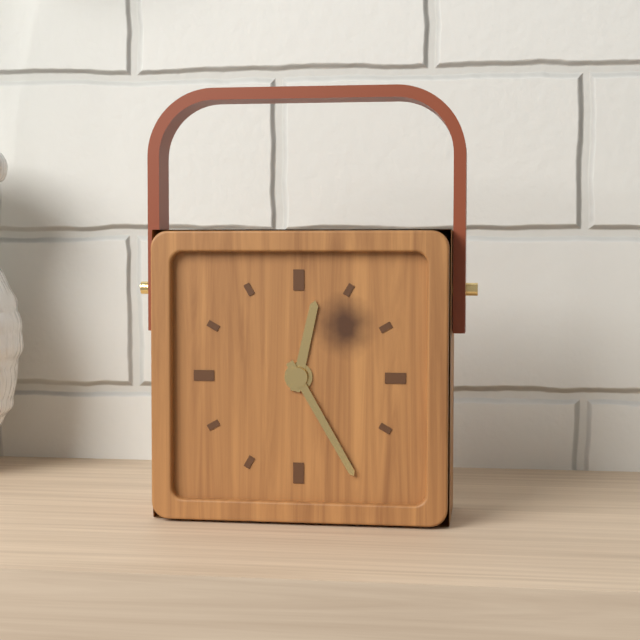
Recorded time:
{"hour": 12, "minute": 25}
